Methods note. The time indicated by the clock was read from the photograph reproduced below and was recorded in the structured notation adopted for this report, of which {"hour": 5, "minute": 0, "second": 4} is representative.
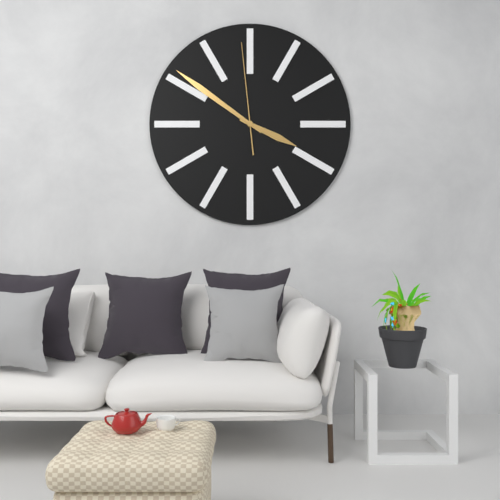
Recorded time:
{"hour": 3, "minute": 51, "second": 59}
